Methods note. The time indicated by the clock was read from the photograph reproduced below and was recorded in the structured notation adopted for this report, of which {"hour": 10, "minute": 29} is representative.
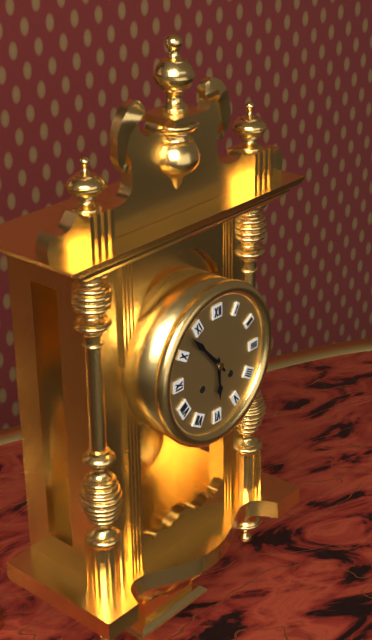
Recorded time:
{"hour": 5, "minute": 53}
